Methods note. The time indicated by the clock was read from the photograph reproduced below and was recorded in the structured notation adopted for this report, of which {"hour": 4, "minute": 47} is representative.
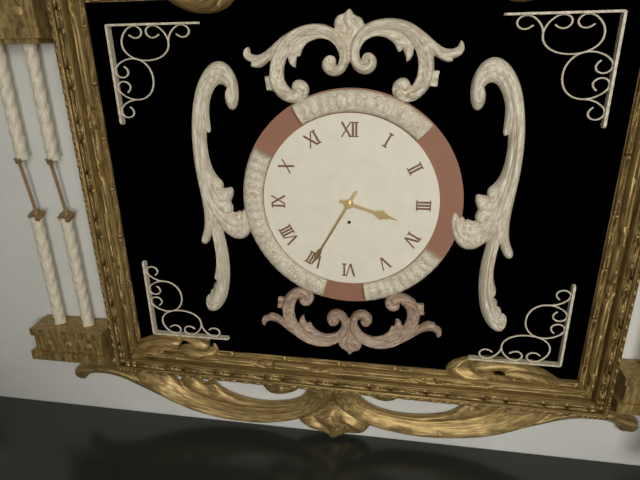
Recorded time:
{"hour": 3, "minute": 35}
